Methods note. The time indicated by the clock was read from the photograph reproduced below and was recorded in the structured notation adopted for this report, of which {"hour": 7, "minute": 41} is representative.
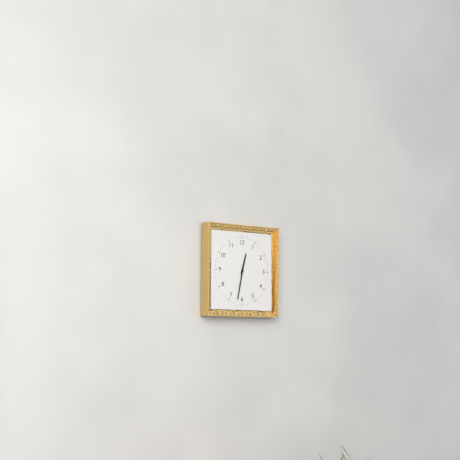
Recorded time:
{"hour": 12, "minute": 32}
